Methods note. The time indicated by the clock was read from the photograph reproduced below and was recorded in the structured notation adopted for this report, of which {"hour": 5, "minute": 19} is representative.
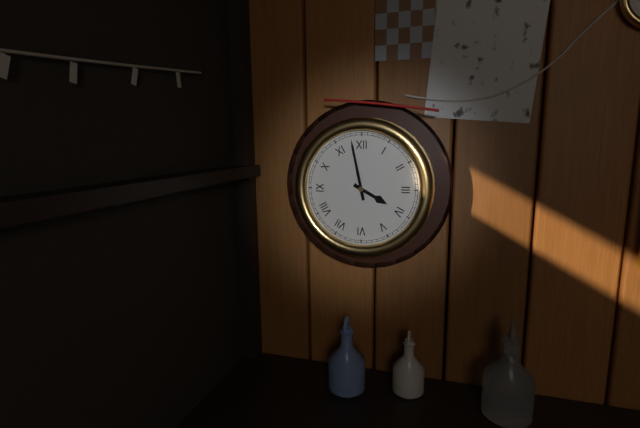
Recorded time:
{"hour": 3, "minute": 58}
